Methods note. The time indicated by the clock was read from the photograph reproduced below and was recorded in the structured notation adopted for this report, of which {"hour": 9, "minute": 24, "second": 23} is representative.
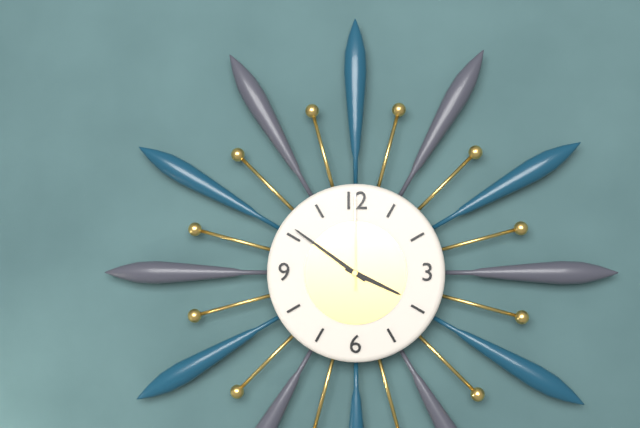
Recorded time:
{"hour": 3, "minute": 51, "second": 0}
